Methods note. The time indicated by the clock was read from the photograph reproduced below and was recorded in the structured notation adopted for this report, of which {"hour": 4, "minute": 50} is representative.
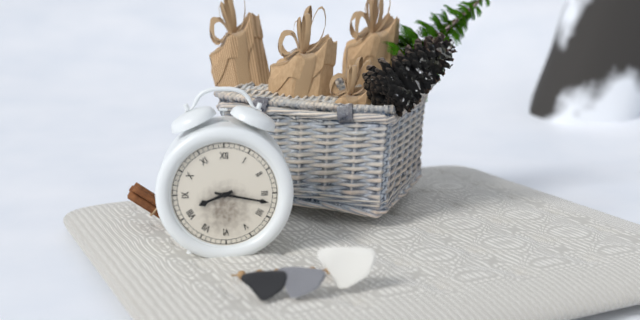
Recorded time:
{"hour": 8, "minute": 17}
